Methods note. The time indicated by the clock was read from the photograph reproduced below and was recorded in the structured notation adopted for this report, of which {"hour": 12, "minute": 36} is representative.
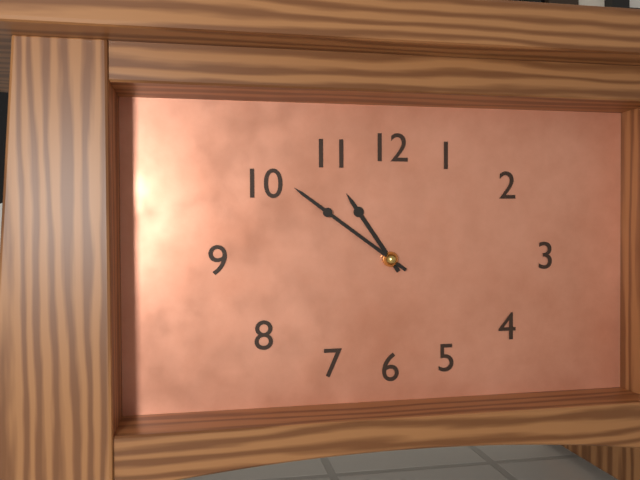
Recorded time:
{"hour": 10, "minute": 51}
